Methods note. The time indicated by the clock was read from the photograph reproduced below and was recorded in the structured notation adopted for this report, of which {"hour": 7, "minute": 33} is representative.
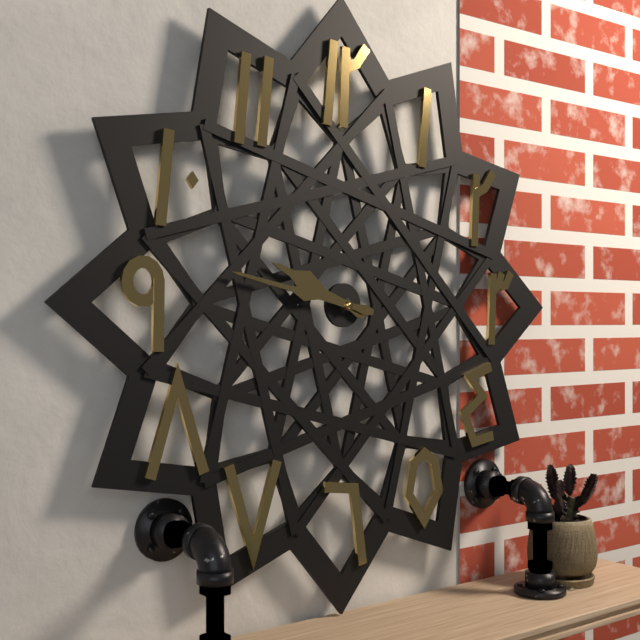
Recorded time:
{"hour": 9, "minute": 47}
